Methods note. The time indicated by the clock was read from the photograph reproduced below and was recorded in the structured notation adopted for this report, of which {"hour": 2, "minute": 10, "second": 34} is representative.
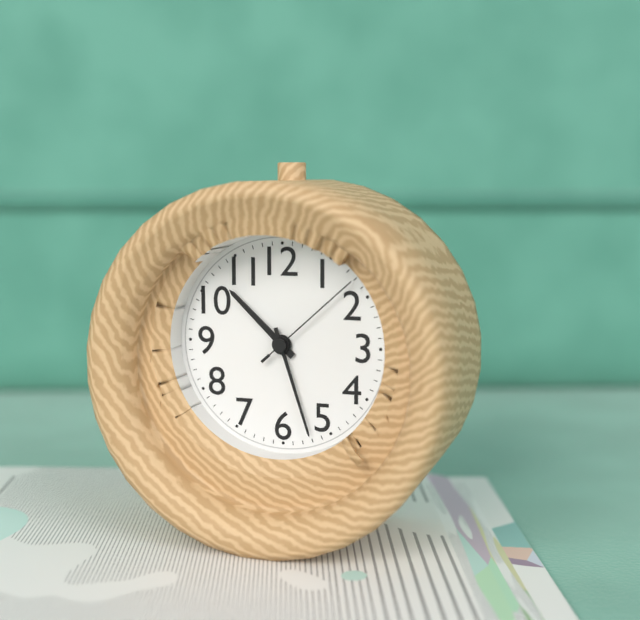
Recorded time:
{"hour": 10, "minute": 27, "second": 8}
